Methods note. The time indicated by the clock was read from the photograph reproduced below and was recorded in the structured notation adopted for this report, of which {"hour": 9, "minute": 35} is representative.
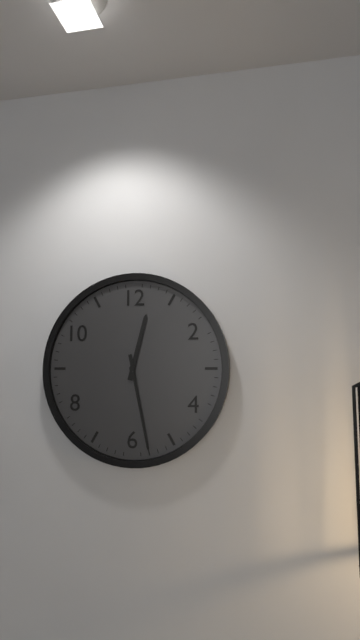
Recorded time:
{"hour": 12, "minute": 28}
